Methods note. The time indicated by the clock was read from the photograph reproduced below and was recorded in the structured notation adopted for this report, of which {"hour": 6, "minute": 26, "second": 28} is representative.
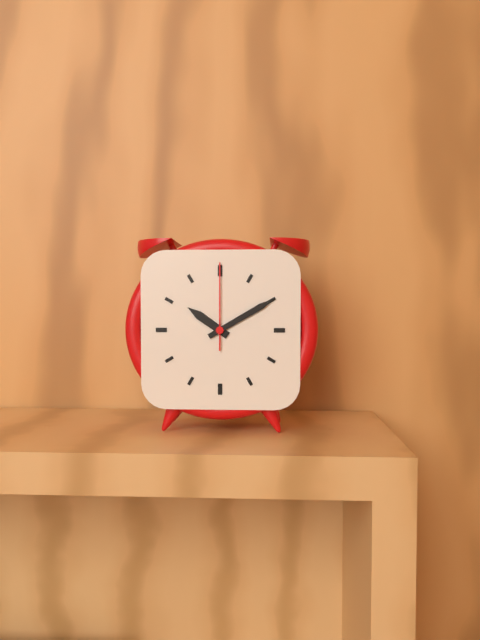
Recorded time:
{"hour": 10, "minute": 10, "second": 0}
